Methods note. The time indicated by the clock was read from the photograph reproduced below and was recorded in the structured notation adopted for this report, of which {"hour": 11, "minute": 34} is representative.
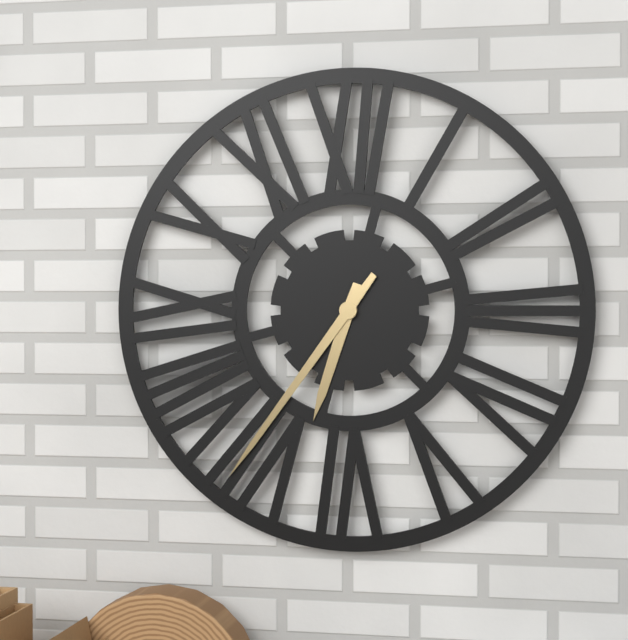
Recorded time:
{"hour": 6, "minute": 36}
